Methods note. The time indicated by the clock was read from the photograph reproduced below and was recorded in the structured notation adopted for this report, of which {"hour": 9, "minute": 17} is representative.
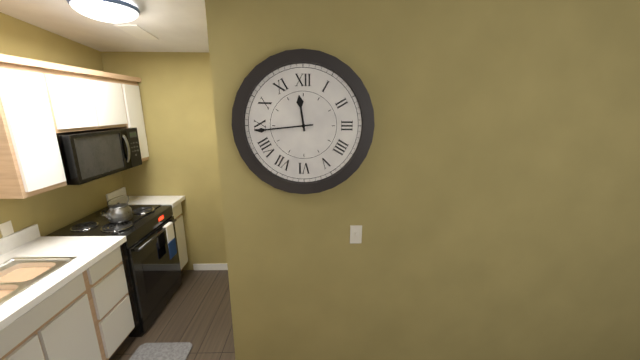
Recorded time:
{"hour": 11, "minute": 44}
